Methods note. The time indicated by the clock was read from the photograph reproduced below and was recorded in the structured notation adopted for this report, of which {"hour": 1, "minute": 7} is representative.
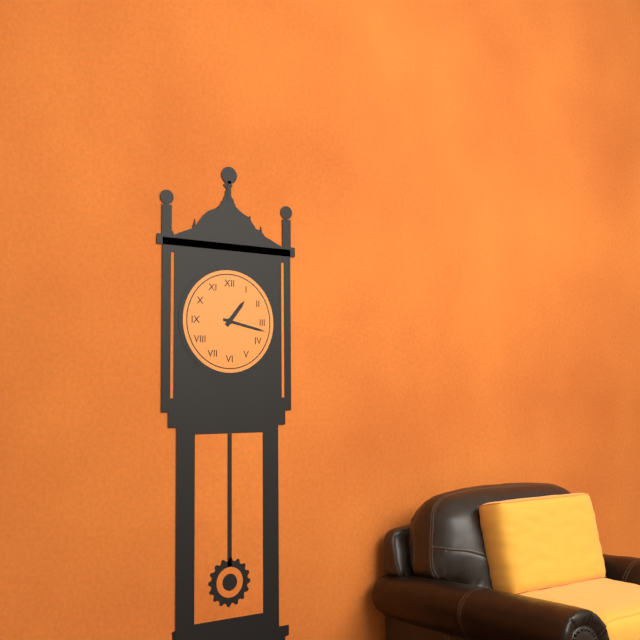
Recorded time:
{"hour": 1, "minute": 17}
